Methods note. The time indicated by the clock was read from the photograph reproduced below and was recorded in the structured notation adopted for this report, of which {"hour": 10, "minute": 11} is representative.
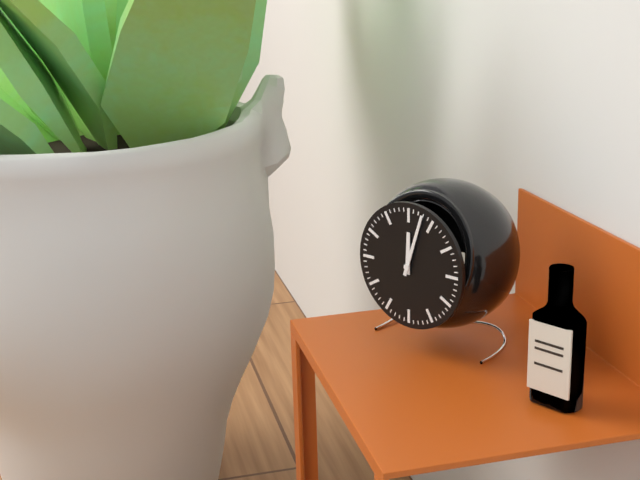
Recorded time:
{"hour": 12, "minute": 3}
